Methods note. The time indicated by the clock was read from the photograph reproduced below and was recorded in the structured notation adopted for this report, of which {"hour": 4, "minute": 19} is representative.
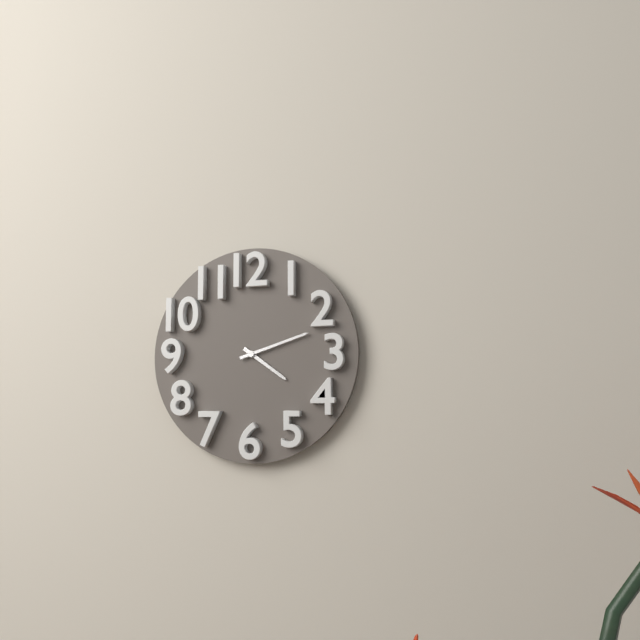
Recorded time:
{"hour": 4, "minute": 12}
